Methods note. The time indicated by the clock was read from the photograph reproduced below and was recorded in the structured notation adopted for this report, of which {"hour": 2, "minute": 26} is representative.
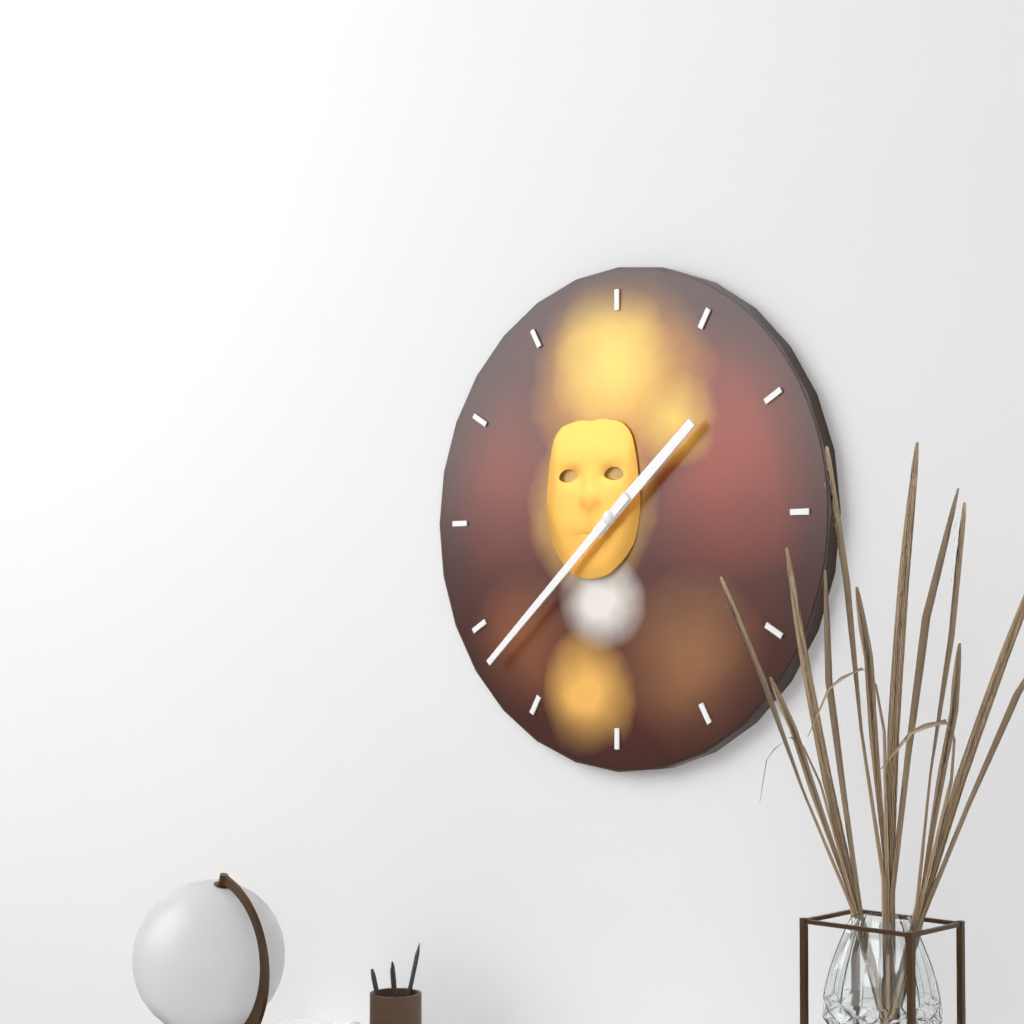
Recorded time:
{"hour": 1, "minute": 38}
